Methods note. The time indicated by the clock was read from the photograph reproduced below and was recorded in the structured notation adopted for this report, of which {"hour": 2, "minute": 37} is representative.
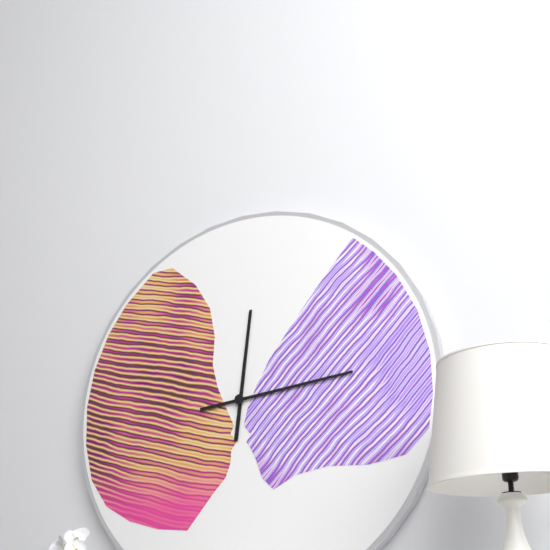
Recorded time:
{"hour": 12, "minute": 14}
